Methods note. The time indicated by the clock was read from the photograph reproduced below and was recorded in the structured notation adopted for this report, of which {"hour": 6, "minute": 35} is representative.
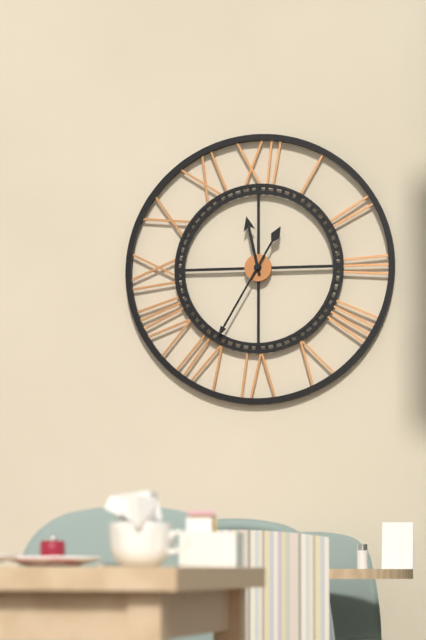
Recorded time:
{"hour": 11, "minute": 35}
